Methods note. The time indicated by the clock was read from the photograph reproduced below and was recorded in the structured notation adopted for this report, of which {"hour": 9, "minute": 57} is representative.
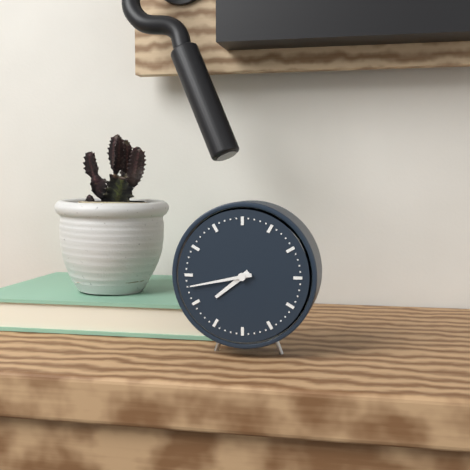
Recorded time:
{"hour": 7, "minute": 43}
